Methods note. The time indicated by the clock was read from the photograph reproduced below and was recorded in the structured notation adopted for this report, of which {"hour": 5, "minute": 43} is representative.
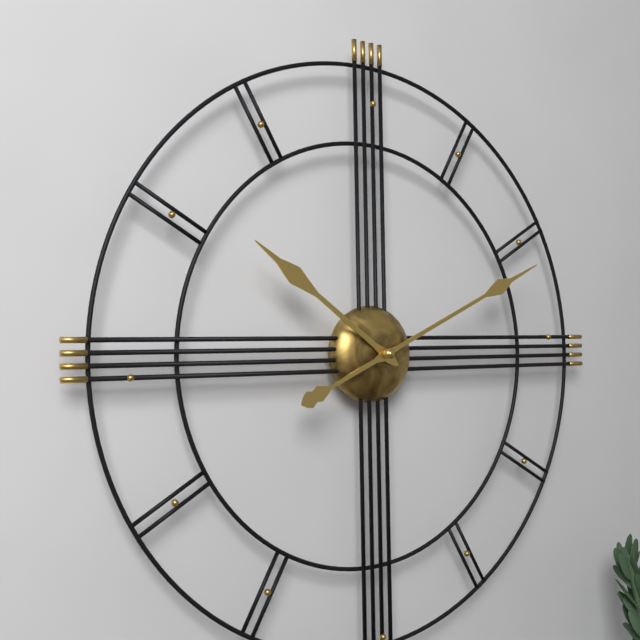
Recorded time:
{"hour": 10, "minute": 11}
